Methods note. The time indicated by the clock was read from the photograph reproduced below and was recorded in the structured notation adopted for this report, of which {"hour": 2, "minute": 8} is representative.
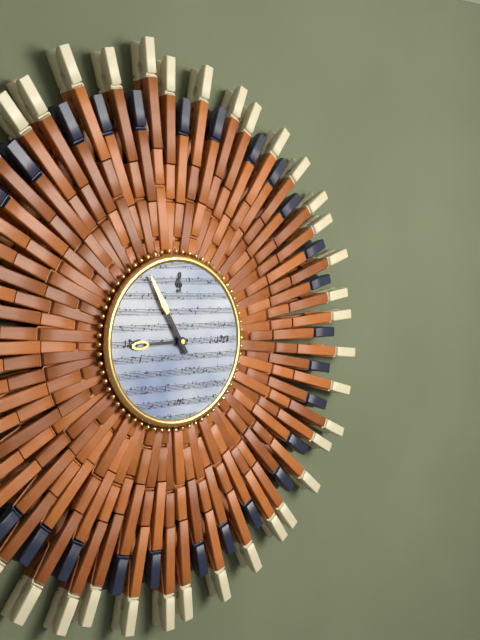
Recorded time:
{"hour": 8, "minute": 55}
